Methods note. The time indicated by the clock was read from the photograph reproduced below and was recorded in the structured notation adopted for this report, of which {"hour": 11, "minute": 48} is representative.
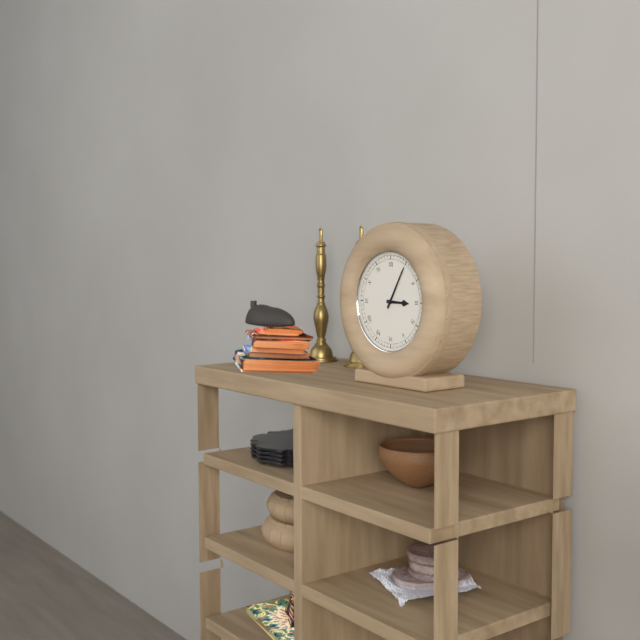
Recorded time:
{"hour": 3, "minute": 5}
